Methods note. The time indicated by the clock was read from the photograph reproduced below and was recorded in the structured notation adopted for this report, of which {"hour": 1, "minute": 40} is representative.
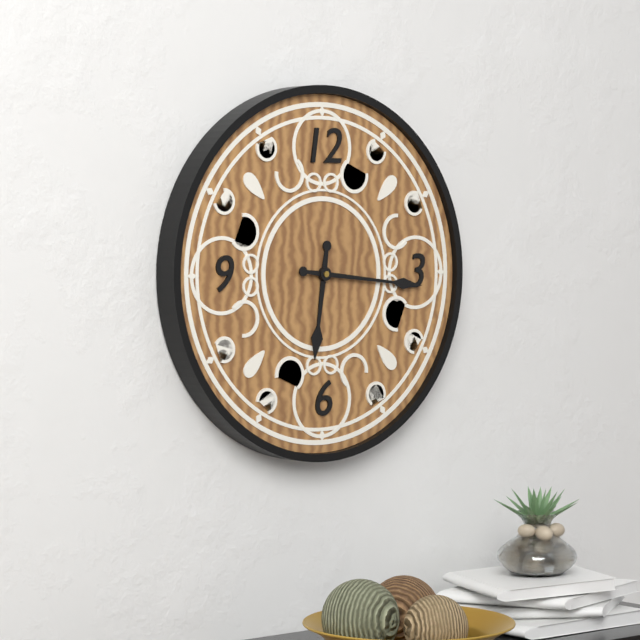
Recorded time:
{"hour": 6, "minute": 16}
